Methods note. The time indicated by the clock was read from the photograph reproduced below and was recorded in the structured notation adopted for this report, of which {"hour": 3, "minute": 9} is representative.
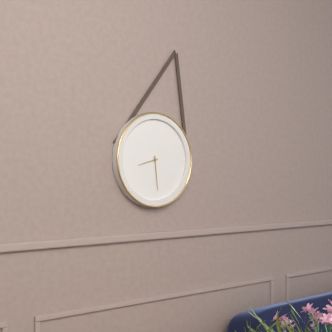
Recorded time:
{"hour": 8, "minute": 29}
